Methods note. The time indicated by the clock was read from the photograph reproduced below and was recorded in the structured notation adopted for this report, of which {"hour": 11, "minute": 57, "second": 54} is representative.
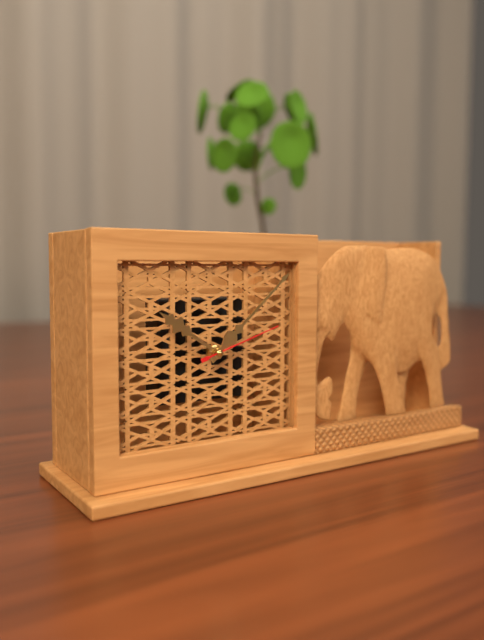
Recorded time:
{"hour": 10, "minute": 8, "second": 12}
